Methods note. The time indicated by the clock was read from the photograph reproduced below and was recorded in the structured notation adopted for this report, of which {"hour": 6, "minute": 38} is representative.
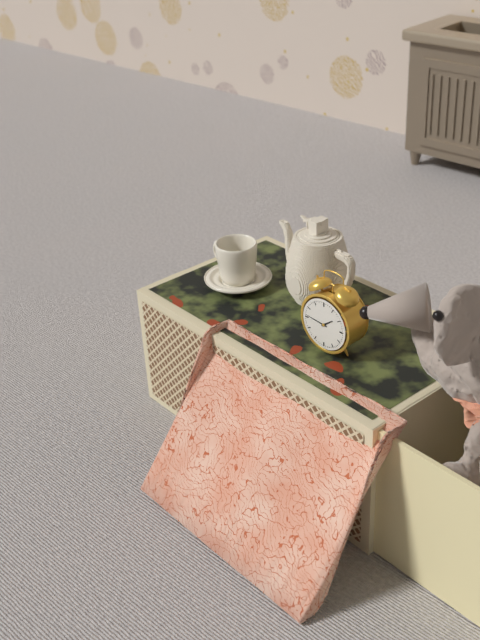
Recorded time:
{"hour": 1, "minute": 46}
